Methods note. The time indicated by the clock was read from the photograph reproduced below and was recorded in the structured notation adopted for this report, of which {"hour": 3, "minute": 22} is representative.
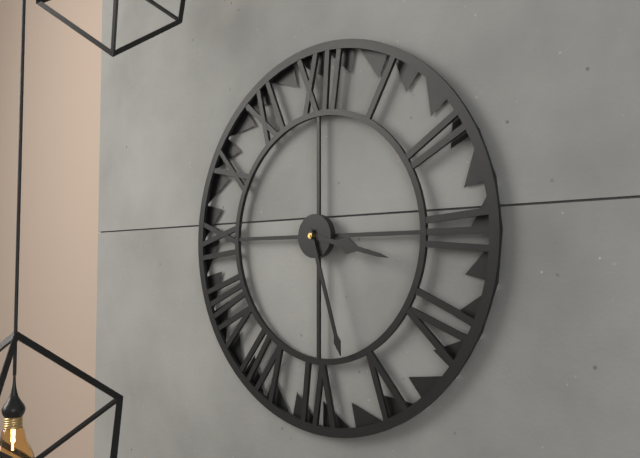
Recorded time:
{"hour": 3, "minute": 27}
